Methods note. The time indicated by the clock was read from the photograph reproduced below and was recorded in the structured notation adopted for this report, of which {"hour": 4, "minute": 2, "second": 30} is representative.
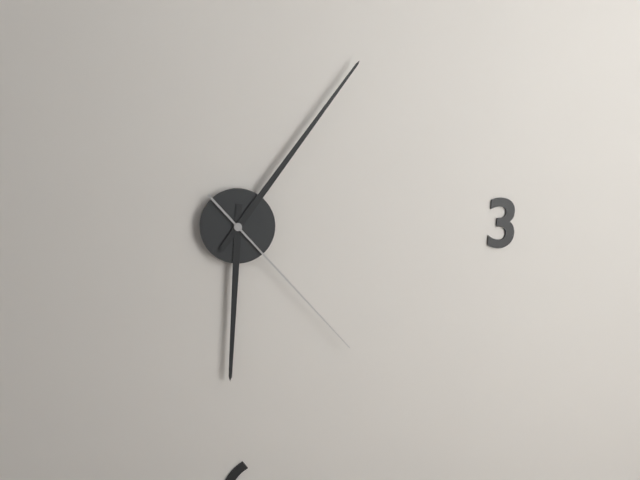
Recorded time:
{"hour": 6, "minute": 6, "second": 23}
